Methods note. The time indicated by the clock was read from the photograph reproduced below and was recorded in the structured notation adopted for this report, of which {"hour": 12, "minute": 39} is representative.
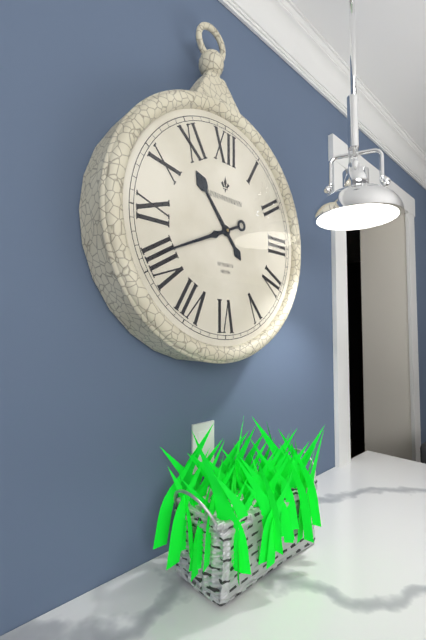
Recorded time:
{"hour": 10, "minute": 41}
